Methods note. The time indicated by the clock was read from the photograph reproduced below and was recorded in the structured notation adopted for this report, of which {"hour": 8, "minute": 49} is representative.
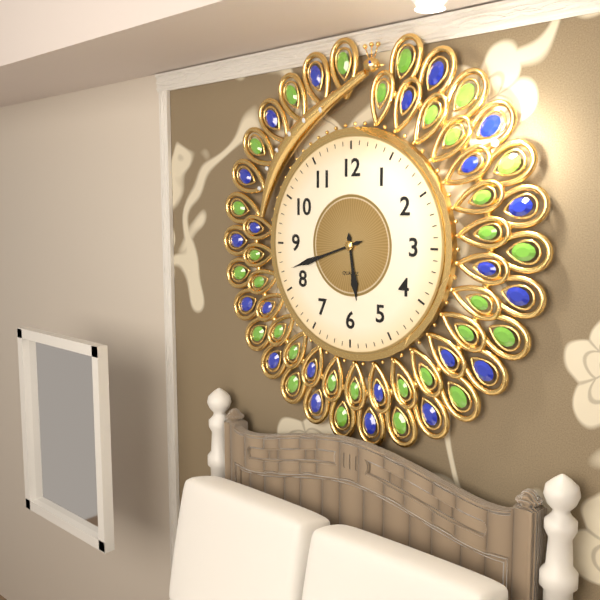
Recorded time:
{"hour": 5, "minute": 42}
